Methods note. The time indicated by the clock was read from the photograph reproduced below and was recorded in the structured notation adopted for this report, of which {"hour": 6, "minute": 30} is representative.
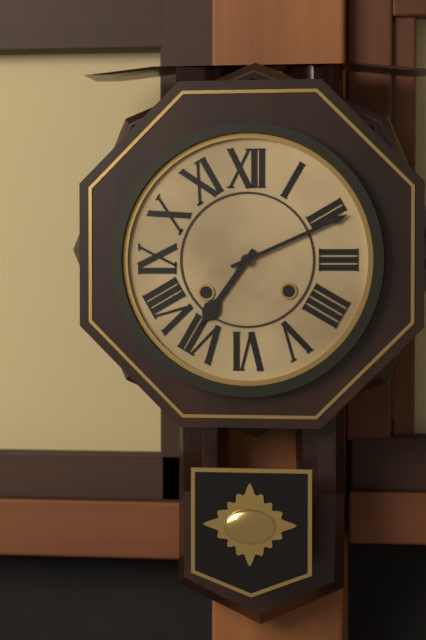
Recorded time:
{"hour": 7, "minute": 11}
